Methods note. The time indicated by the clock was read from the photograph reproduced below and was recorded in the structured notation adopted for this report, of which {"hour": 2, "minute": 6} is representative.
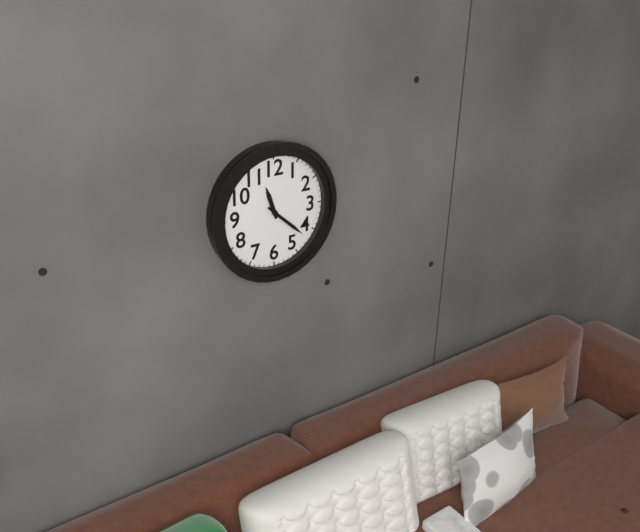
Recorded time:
{"hour": 11, "minute": 22}
